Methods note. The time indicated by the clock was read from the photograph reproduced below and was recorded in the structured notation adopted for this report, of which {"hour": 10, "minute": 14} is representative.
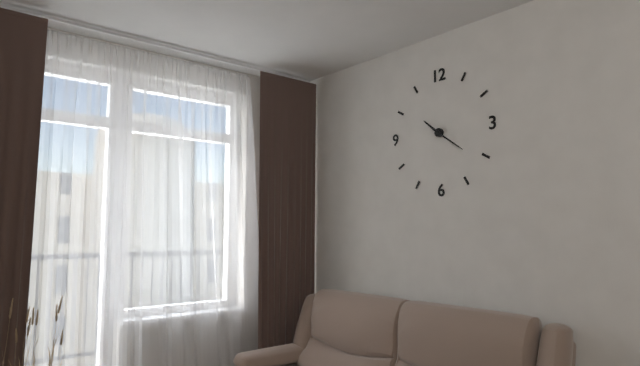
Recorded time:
{"hour": 10, "minute": 21}
